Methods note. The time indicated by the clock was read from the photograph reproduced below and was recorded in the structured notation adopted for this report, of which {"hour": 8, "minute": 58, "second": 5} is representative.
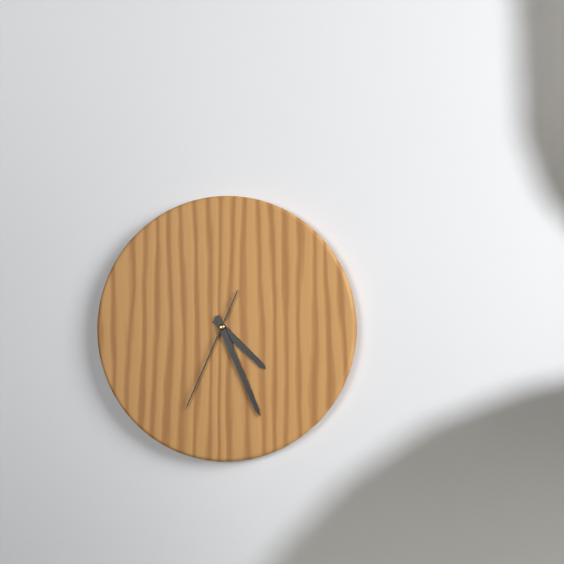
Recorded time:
{"hour": 4, "minute": 26, "second": 34}
